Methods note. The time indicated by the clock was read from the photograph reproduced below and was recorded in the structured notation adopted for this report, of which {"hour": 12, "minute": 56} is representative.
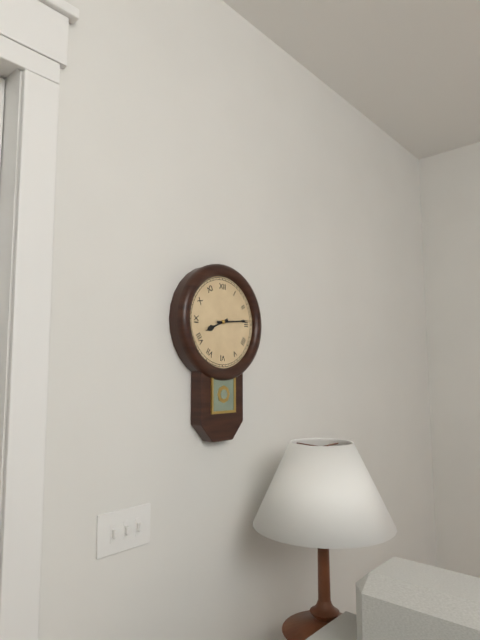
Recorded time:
{"hour": 8, "minute": 14}
